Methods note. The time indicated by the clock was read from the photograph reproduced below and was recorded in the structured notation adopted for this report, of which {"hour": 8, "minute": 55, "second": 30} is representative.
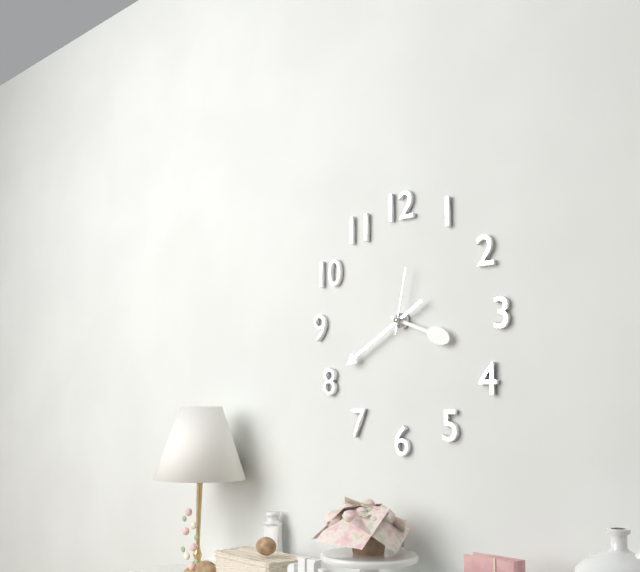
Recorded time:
{"hour": 3, "minute": 40, "second": 2}
